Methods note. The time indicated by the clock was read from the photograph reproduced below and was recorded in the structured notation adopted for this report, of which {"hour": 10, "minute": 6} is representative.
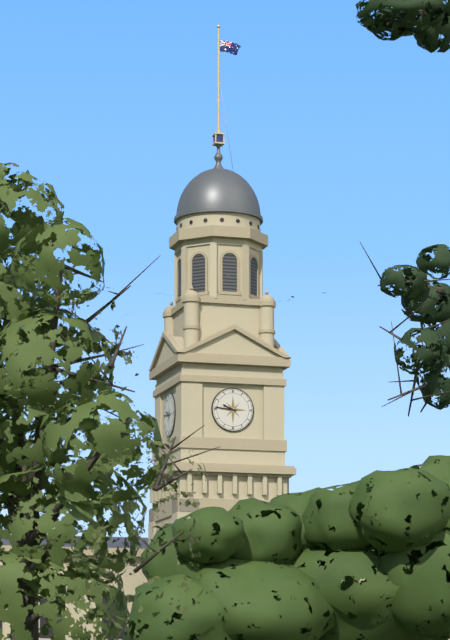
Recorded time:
{"hour": 9, "minute": 46}
